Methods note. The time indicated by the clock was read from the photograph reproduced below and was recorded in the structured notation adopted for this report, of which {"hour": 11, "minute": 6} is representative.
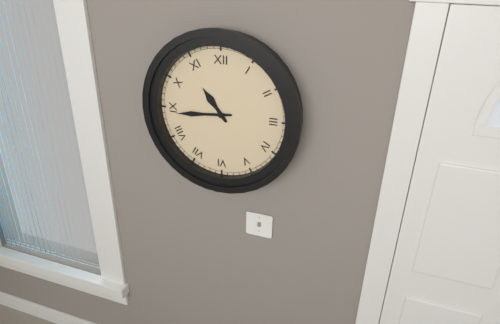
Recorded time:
{"hour": 10, "minute": 44}
